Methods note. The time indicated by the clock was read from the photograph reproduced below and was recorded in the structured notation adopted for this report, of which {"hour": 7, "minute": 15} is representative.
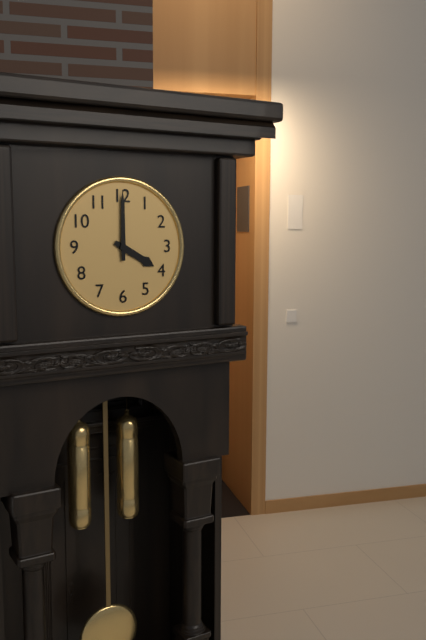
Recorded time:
{"hour": 4, "minute": 0}
